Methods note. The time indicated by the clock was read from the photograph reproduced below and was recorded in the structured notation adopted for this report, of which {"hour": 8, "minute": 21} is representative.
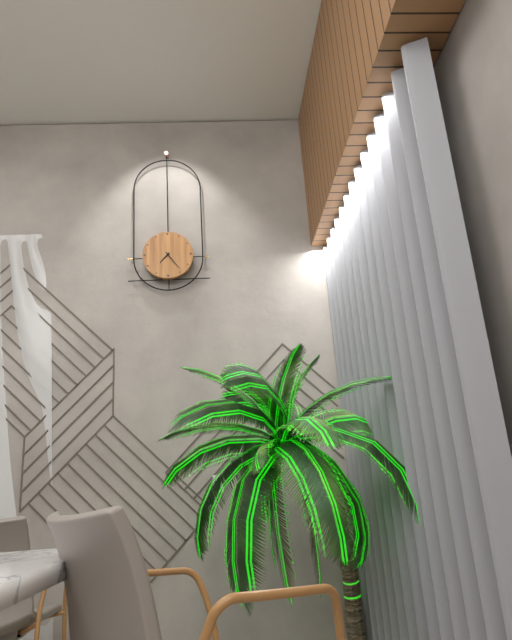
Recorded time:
{"hour": 7, "minute": 24}
